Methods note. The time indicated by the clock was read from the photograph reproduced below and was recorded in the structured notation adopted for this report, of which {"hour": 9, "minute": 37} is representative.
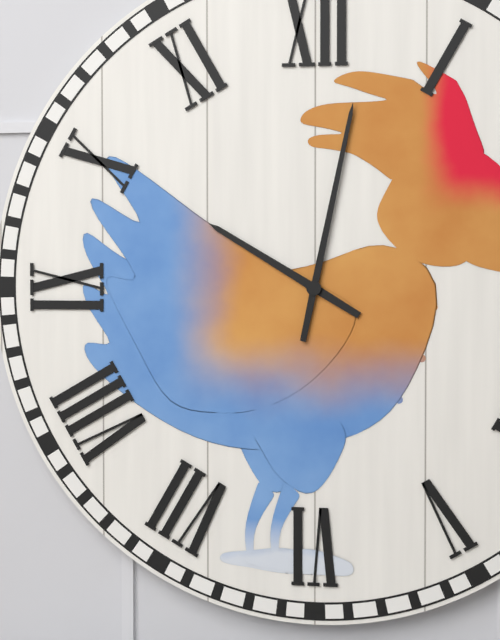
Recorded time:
{"hour": 10, "minute": 2}
